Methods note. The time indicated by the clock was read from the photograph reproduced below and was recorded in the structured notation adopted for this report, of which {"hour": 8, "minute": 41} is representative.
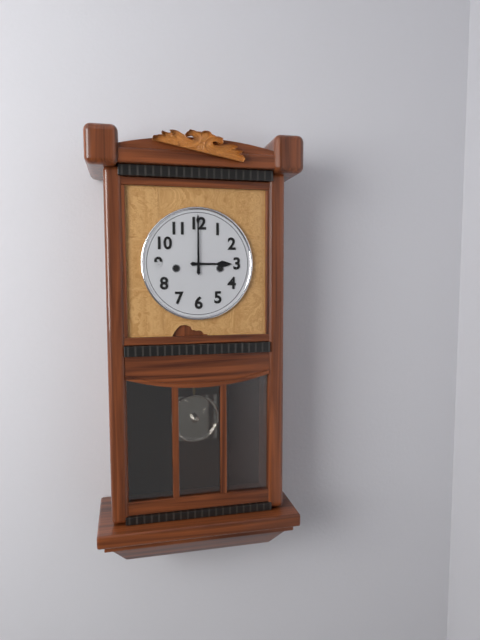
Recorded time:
{"hour": 3, "minute": 0}
